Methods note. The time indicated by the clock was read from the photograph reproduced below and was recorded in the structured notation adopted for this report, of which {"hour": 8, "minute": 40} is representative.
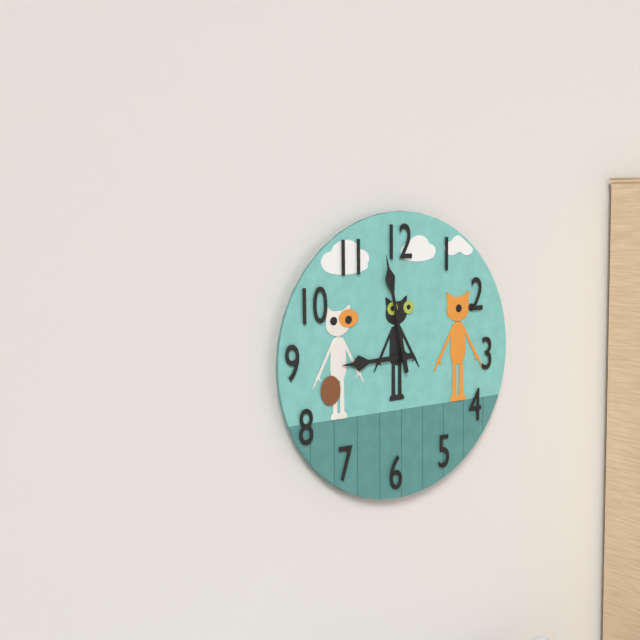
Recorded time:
{"hour": 8, "minute": 58}
